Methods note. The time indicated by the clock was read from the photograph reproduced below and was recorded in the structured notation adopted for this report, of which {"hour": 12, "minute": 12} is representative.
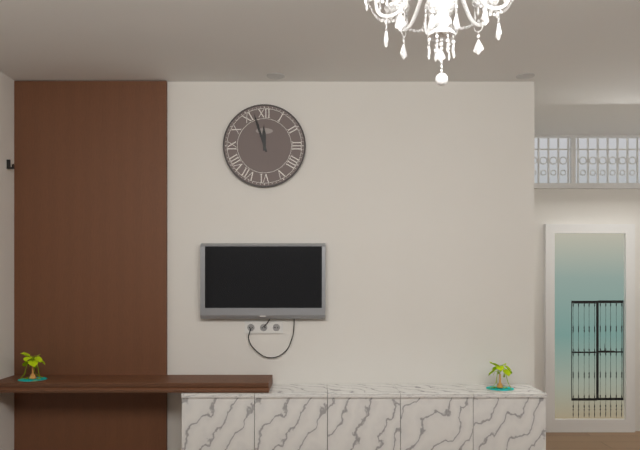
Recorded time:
{"hour": 11, "minute": 57}
